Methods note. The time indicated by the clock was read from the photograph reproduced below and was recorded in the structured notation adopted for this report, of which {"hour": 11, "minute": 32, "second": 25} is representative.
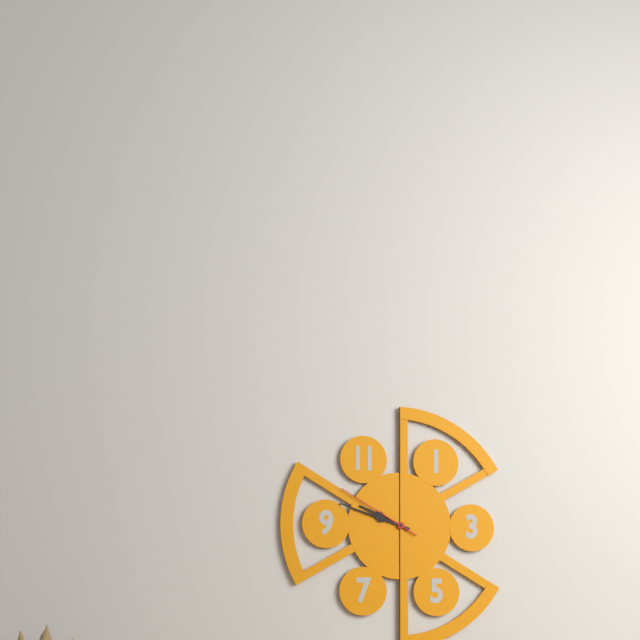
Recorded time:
{"hour": 9, "minute": 48, "second": 50}
